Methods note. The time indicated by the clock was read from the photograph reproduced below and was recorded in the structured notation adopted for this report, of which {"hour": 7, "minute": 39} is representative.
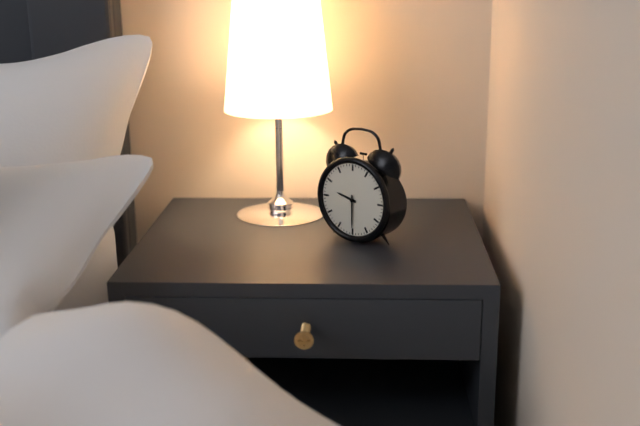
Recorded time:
{"hour": 9, "minute": 30}
